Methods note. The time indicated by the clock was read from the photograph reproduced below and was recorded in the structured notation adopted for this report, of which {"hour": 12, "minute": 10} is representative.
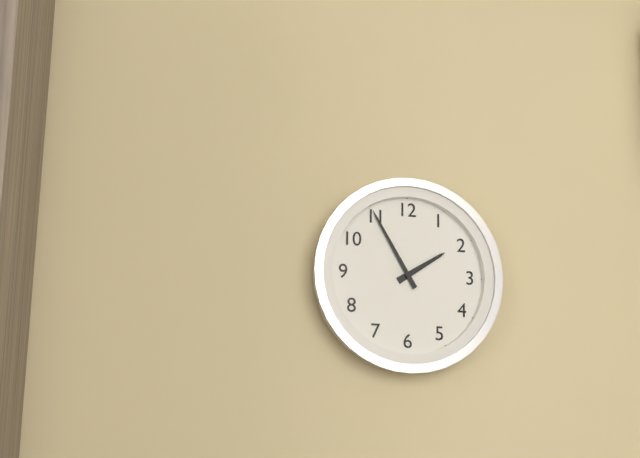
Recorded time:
{"hour": 1, "minute": 55}
